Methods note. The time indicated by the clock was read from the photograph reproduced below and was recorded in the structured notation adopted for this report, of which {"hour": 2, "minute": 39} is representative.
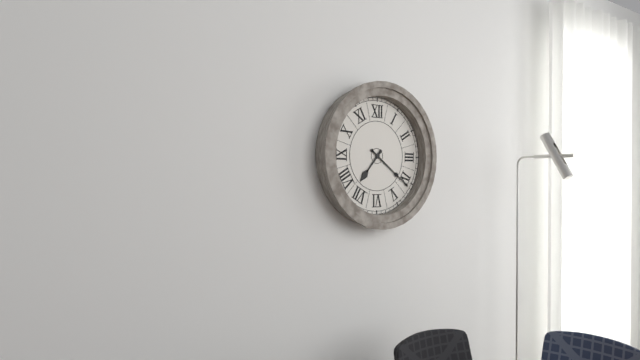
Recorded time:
{"hour": 7, "minute": 21}
